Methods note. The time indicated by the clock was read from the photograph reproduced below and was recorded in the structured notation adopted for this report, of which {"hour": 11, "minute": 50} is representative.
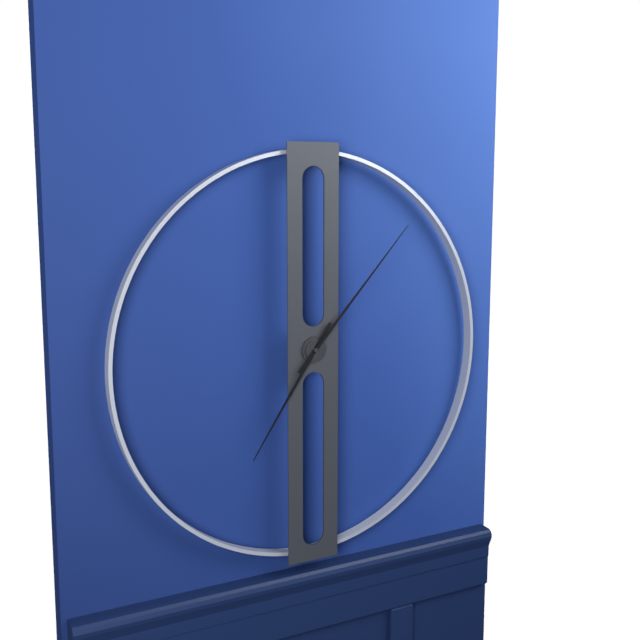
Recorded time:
{"hour": 7, "minute": 7}
